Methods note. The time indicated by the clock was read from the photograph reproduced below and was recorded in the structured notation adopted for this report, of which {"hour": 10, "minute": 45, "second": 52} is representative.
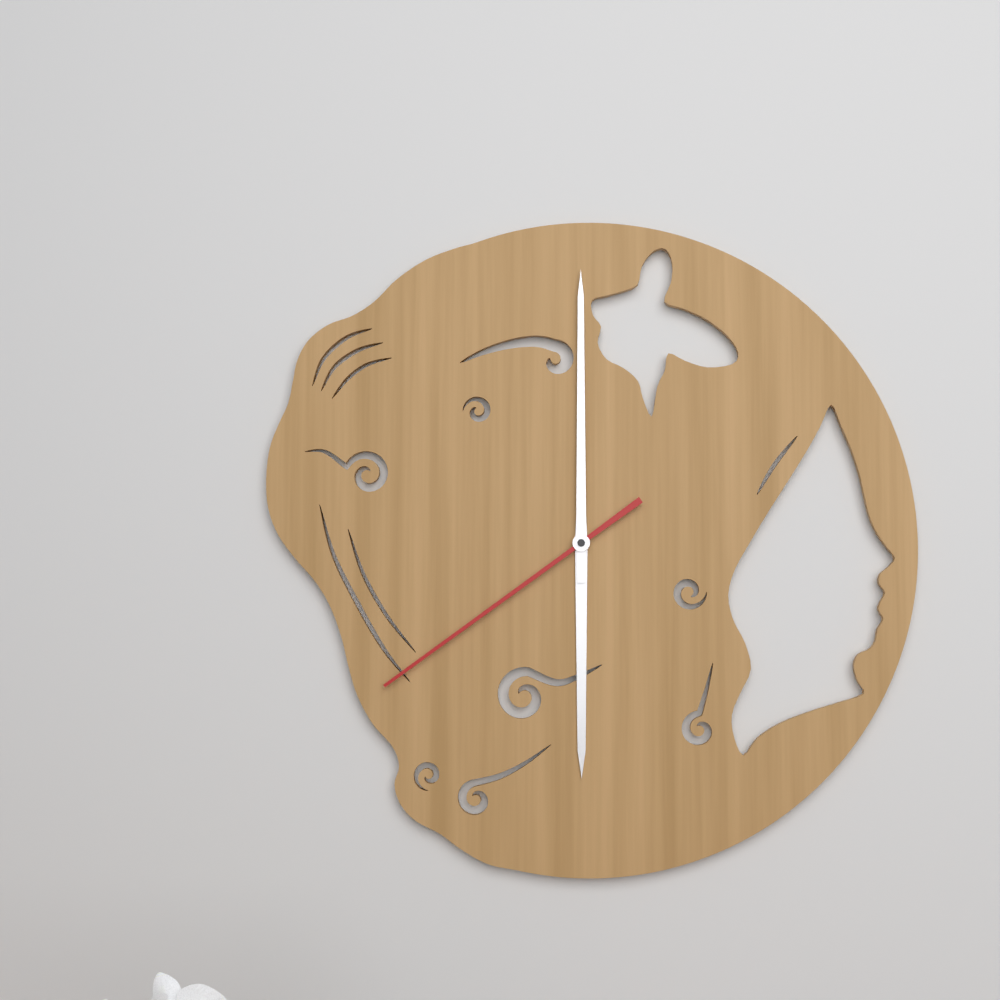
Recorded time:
{"hour": 6, "minute": 0, "second": 39}
